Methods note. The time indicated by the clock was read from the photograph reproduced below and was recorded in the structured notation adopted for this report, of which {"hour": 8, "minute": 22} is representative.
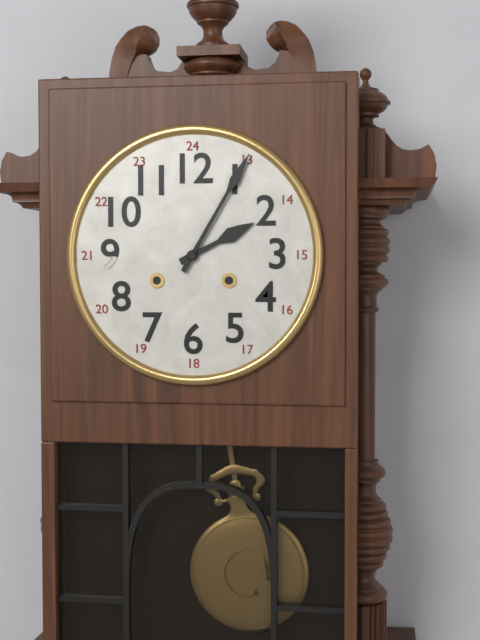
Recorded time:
{"hour": 2, "minute": 5}
